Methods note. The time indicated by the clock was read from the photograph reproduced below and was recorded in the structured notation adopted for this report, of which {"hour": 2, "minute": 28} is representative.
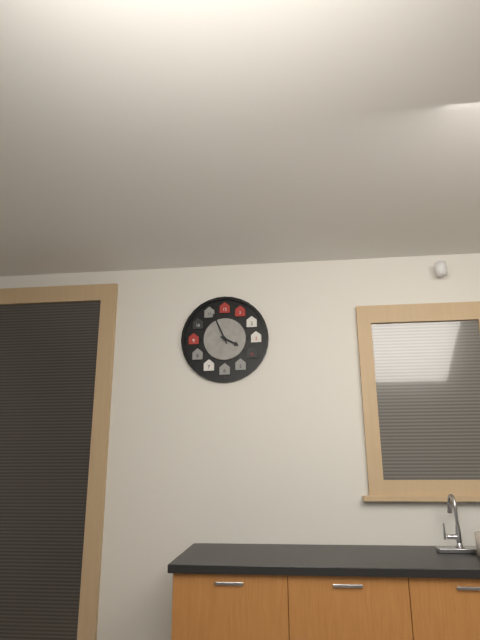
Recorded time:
{"hour": 3, "minute": 56}
